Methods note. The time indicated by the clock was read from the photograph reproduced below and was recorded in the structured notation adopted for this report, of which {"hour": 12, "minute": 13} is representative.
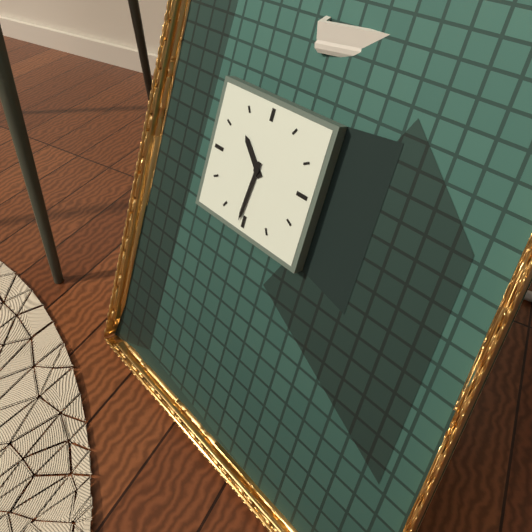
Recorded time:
{"hour": 10, "minute": 31}
